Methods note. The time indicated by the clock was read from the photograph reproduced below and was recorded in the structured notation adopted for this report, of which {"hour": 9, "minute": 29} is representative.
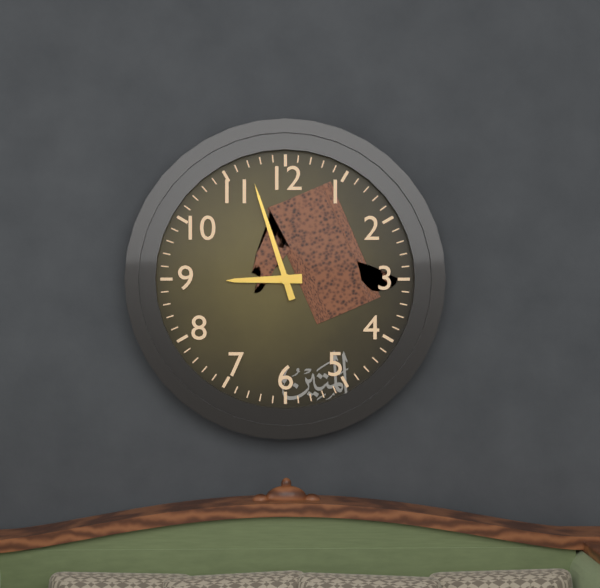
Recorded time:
{"hour": 8, "minute": 57}
